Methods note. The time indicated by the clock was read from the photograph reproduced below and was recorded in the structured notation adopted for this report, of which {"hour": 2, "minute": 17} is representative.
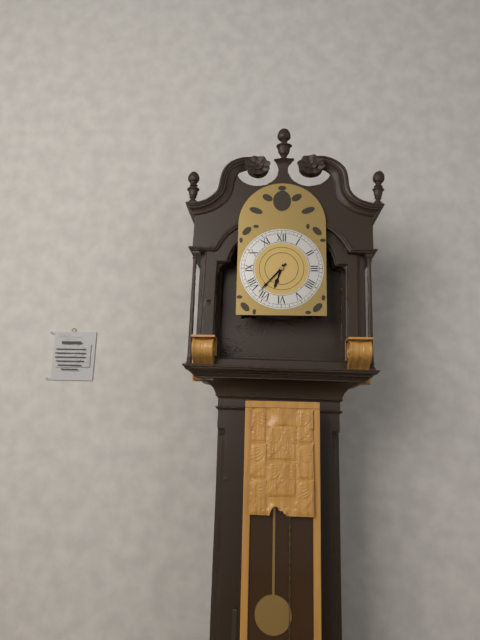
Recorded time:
{"hour": 6, "minute": 37}
